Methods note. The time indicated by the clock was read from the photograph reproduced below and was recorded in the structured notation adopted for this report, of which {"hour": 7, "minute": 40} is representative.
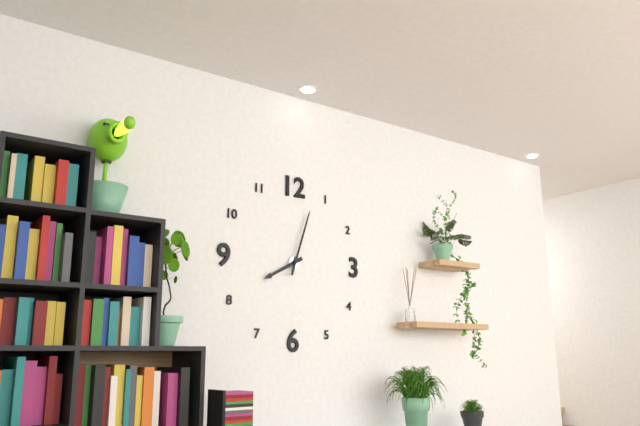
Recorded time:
{"hour": 8, "minute": 3}
